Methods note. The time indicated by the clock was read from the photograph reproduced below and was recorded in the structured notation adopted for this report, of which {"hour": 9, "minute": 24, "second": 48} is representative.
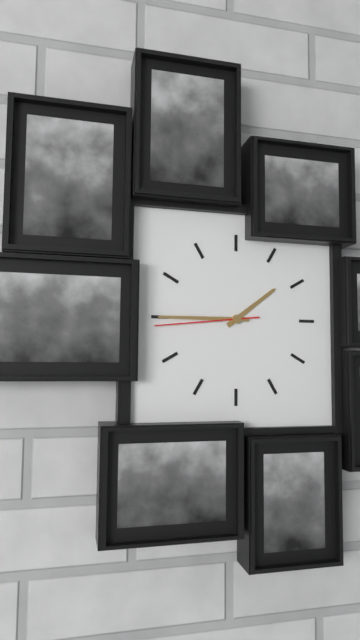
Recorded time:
{"hour": 1, "minute": 45, "second": 44}
